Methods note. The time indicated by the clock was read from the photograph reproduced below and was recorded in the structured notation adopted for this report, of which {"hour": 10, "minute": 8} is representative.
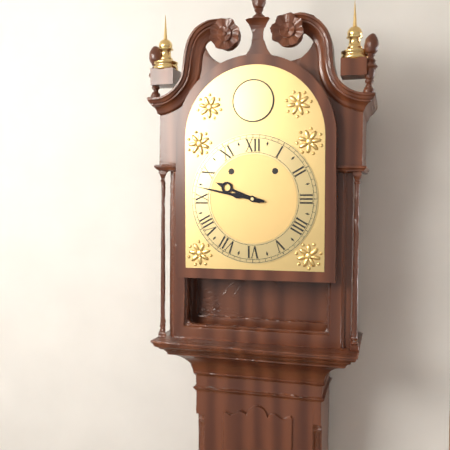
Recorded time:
{"hour": 9, "minute": 47}
